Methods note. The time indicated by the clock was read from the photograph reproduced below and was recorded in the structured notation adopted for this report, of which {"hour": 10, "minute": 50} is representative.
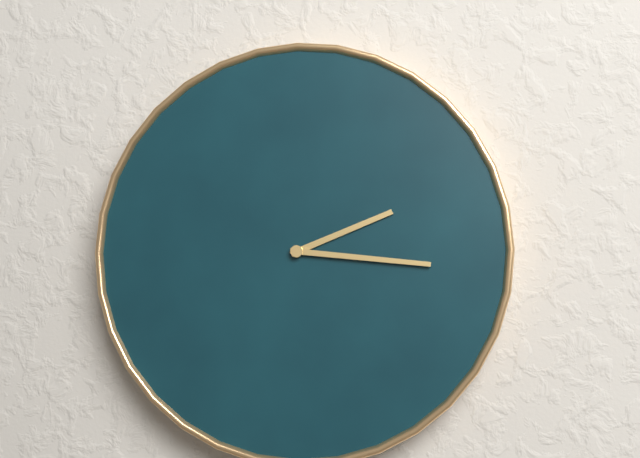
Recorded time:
{"hour": 2, "minute": 16}
